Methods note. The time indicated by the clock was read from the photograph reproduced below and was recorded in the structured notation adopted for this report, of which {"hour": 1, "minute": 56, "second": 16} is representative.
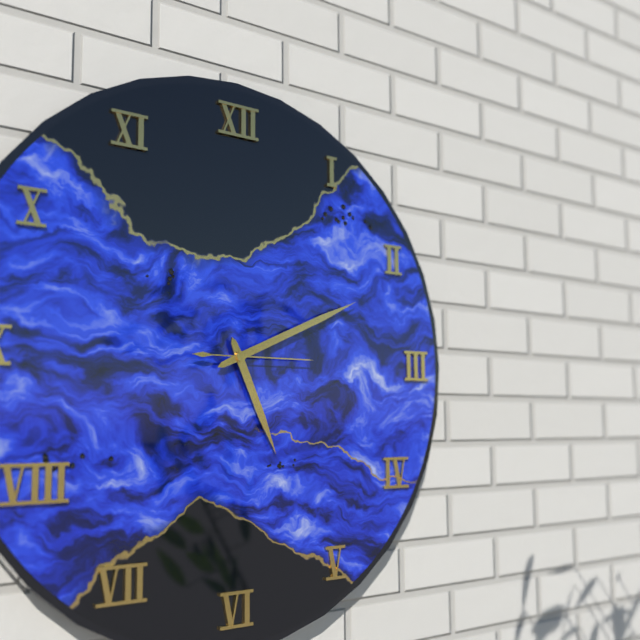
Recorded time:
{"hour": 5, "minute": 11, "second": 15}
